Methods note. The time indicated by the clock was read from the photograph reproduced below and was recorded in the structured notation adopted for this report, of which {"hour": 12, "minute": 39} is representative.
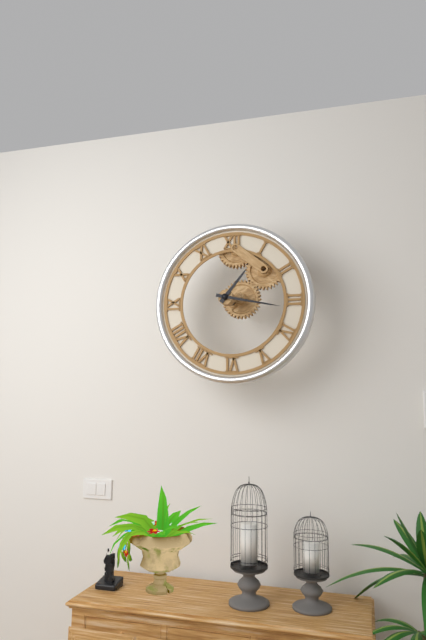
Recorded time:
{"hour": 1, "minute": 17}
